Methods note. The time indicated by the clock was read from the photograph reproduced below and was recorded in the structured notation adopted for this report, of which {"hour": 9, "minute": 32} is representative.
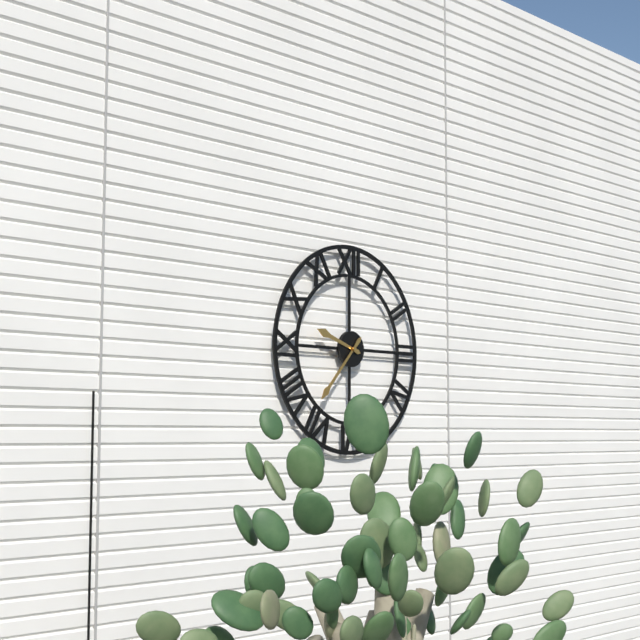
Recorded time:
{"hour": 9, "minute": 37}
